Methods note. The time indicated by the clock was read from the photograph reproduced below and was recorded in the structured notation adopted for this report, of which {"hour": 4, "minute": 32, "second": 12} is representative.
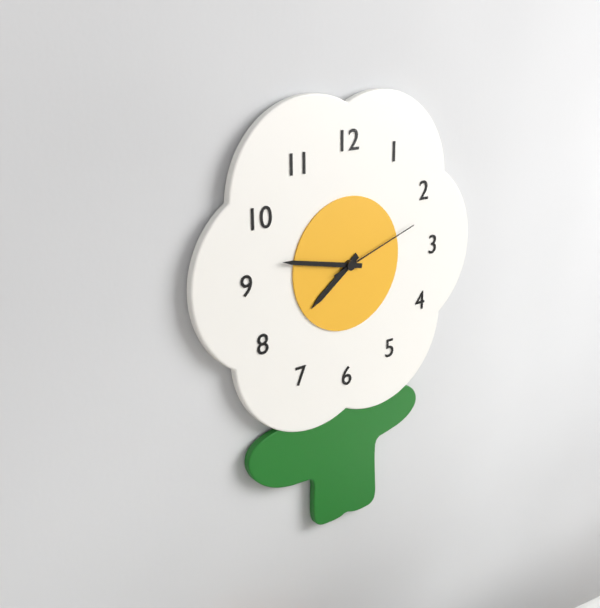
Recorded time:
{"hour": 7, "minute": 47, "second": 12}
